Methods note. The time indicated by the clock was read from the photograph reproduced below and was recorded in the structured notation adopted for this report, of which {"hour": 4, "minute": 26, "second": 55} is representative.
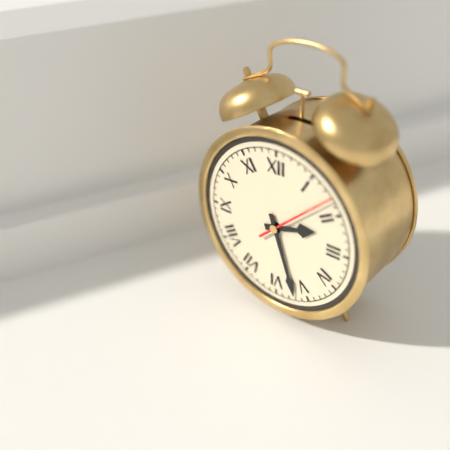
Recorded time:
{"hour": 2, "minute": 27, "second": 8}
